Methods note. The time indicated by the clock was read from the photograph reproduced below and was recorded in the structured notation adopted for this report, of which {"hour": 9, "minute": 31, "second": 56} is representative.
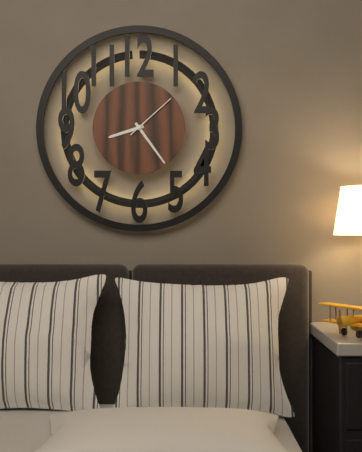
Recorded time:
{"hour": 8, "minute": 24, "second": 8}
